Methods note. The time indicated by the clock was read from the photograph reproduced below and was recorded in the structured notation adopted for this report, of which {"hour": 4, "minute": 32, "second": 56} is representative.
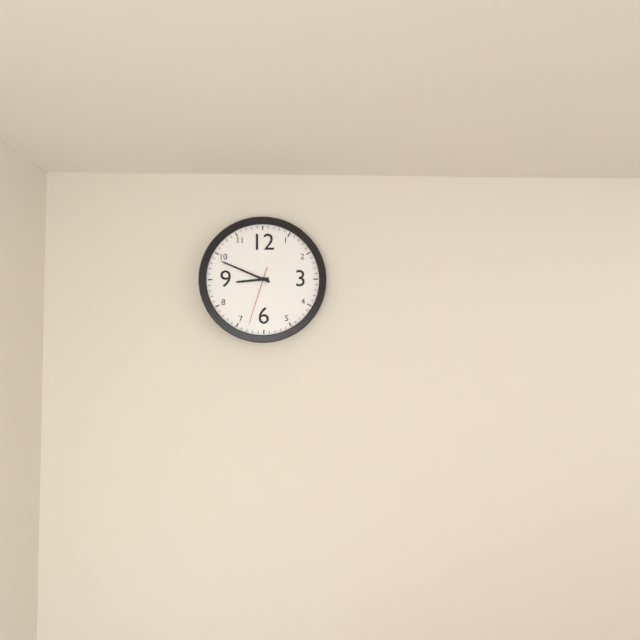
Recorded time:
{"hour": 8, "minute": 49, "second": 33}
